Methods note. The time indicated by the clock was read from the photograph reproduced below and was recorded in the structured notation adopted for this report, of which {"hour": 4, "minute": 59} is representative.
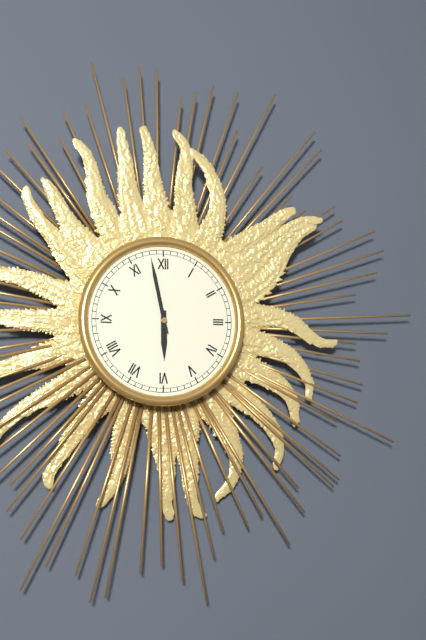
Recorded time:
{"hour": 5, "minute": 58}
